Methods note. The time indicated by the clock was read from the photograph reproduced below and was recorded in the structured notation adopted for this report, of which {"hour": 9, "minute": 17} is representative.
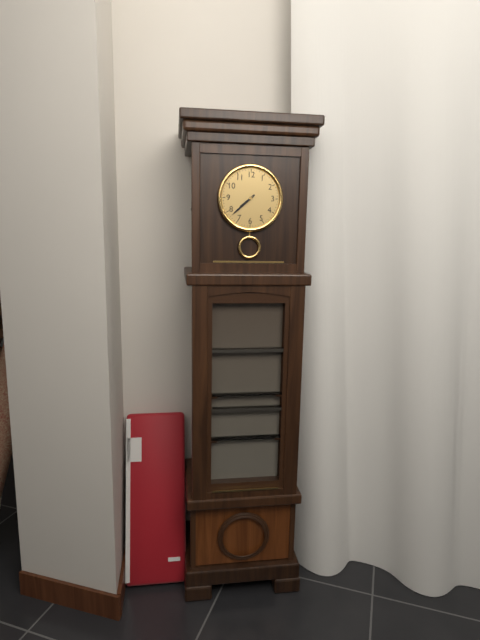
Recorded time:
{"hour": 7, "minute": 38}
